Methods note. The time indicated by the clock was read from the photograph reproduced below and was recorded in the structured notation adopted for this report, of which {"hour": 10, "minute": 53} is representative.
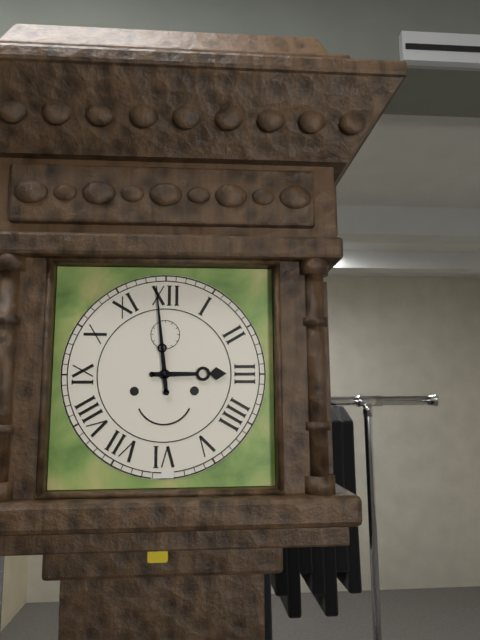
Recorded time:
{"hour": 2, "minute": 59}
